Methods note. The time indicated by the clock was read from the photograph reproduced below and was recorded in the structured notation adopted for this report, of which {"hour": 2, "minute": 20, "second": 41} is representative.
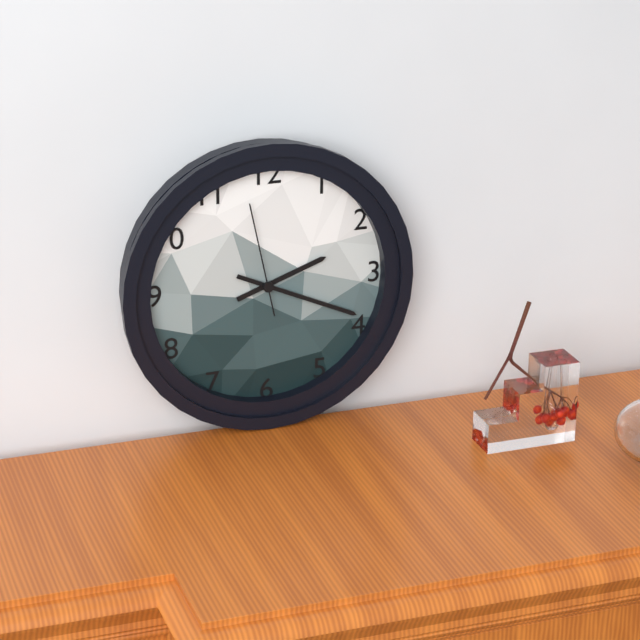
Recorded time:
{"hour": 2, "minute": 19, "second": 58}
